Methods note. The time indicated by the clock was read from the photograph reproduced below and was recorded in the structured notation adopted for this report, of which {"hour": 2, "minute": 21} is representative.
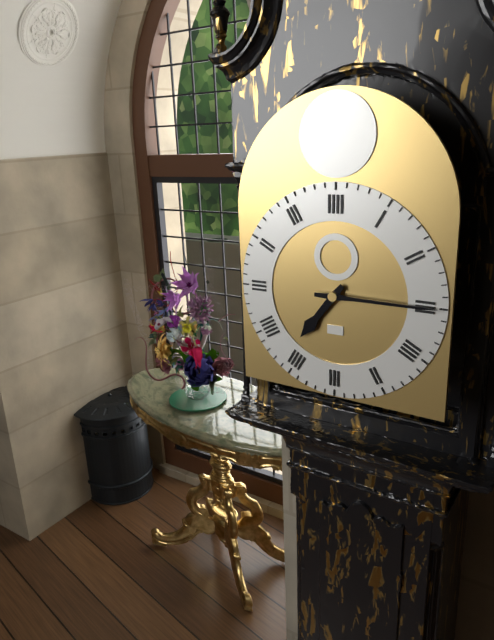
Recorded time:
{"hour": 7, "minute": 15}
